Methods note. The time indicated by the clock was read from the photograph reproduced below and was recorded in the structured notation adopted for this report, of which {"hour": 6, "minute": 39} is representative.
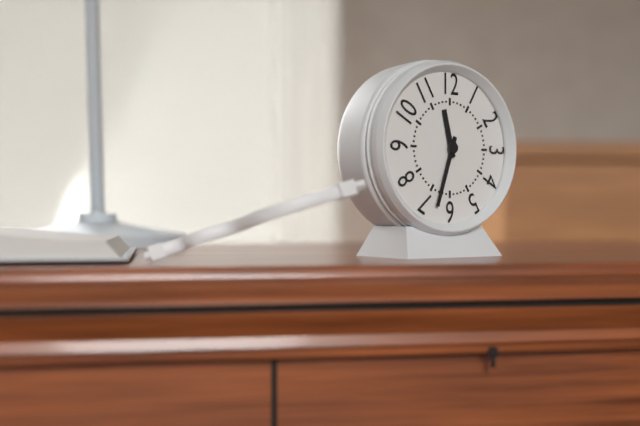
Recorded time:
{"hour": 11, "minute": 33}
